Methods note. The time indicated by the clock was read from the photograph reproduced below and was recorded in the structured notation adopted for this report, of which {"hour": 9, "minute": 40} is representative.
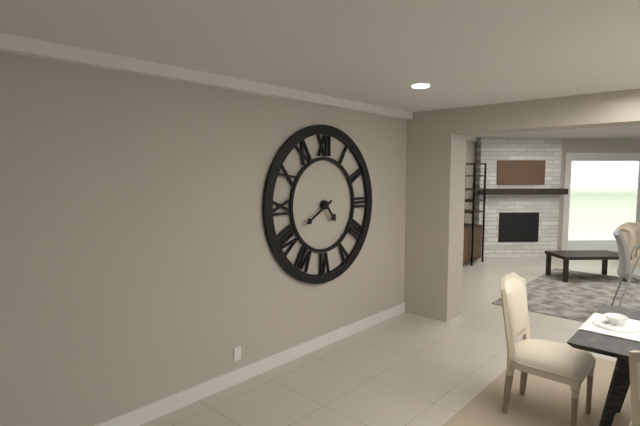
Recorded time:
{"hour": 4, "minute": 40}
